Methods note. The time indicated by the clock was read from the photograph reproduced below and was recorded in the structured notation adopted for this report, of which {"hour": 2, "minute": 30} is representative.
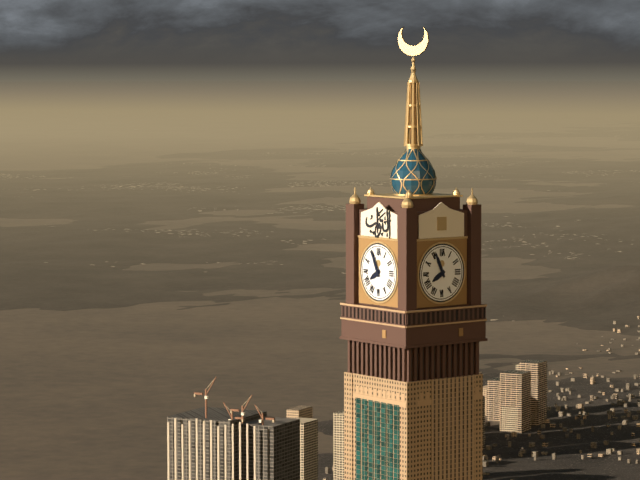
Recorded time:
{"hour": 7, "minute": 56}
